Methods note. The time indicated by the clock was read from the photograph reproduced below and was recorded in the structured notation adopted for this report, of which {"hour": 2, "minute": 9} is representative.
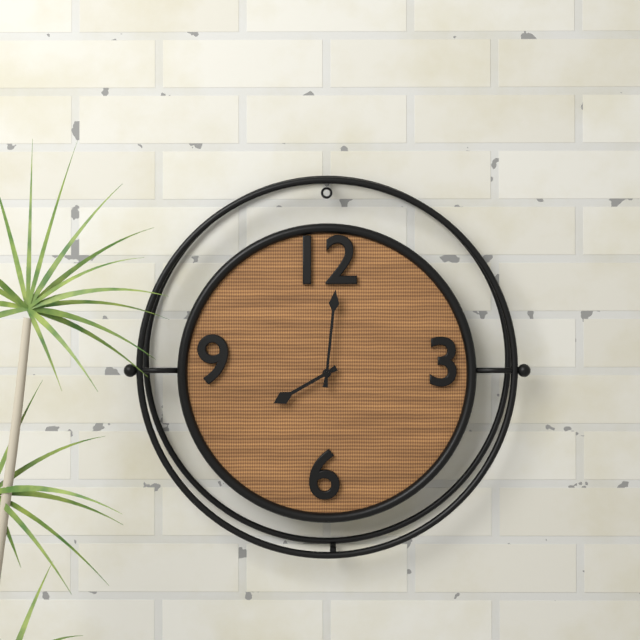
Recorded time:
{"hour": 8, "minute": 1}
